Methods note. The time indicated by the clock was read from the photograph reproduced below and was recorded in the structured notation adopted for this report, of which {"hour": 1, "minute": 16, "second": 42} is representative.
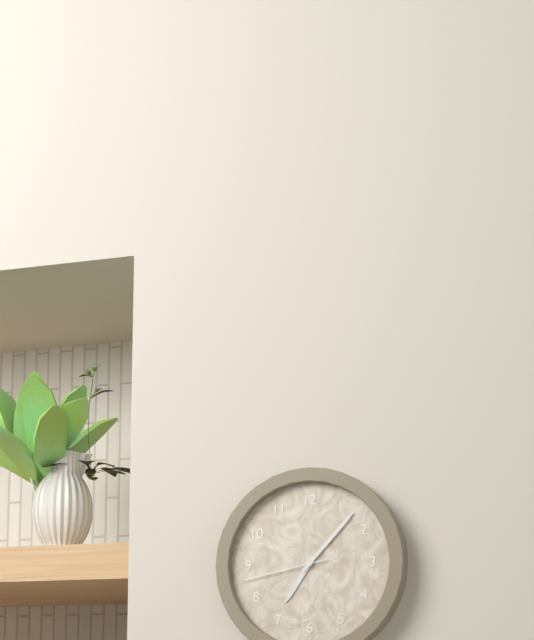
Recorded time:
{"hour": 7, "minute": 7, "second": 43}
